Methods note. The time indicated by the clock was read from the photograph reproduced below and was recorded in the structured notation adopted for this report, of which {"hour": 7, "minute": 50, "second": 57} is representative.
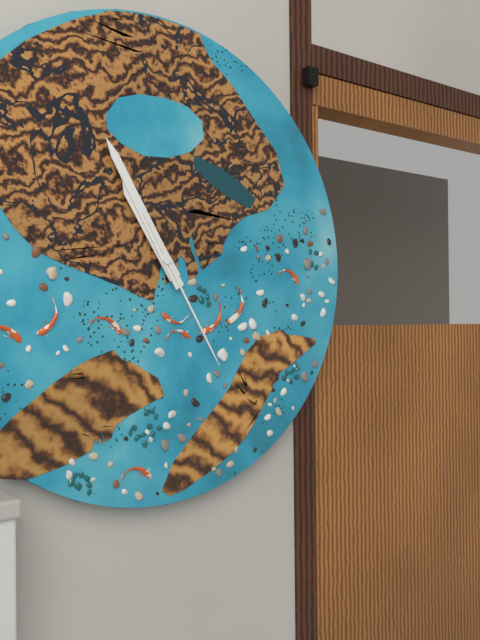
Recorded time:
{"hour": 10, "minute": 55, "second": 25}
